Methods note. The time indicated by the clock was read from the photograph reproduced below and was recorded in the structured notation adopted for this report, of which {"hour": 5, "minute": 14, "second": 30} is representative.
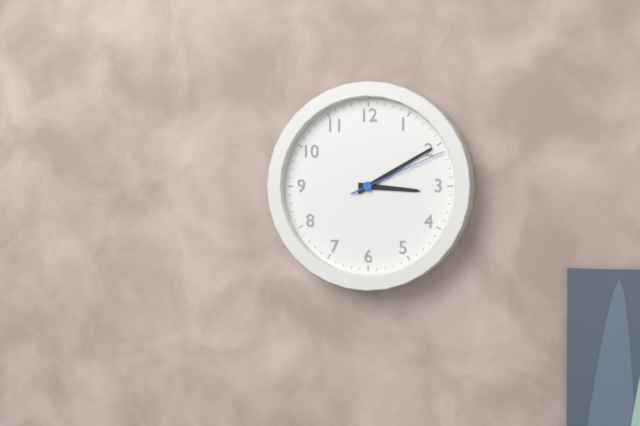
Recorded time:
{"hour": 3, "minute": 10, "second": 11}
